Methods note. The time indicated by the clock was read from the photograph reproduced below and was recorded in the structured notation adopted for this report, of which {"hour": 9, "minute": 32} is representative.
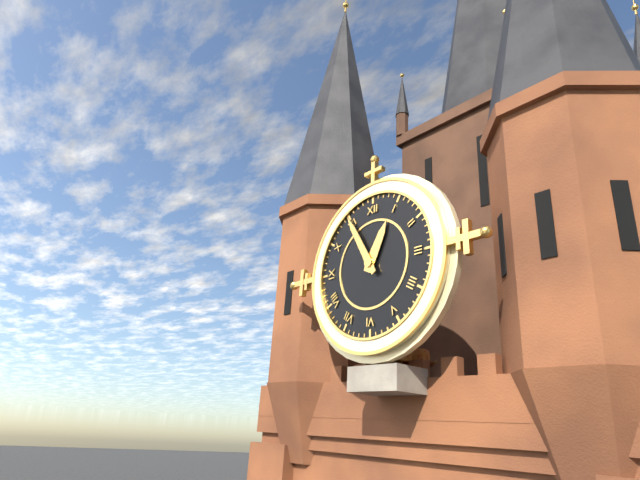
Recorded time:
{"hour": 12, "minute": 55}
